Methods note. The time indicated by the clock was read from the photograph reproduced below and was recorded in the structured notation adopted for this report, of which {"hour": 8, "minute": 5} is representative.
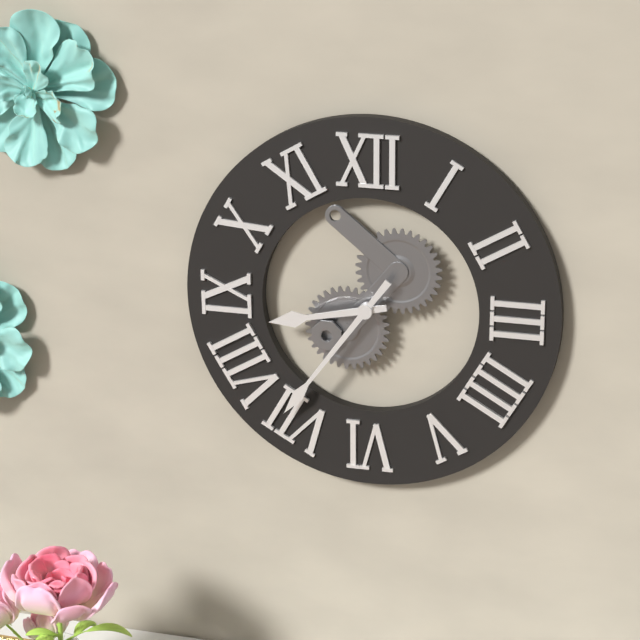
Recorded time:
{"hour": 8, "minute": 36}
